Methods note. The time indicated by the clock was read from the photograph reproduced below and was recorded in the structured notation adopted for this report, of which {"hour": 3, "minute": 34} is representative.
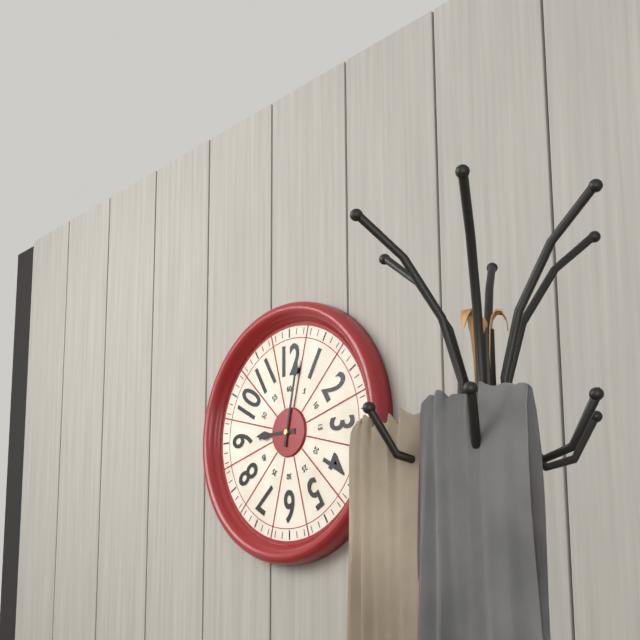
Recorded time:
{"hour": 9, "minute": 2}
